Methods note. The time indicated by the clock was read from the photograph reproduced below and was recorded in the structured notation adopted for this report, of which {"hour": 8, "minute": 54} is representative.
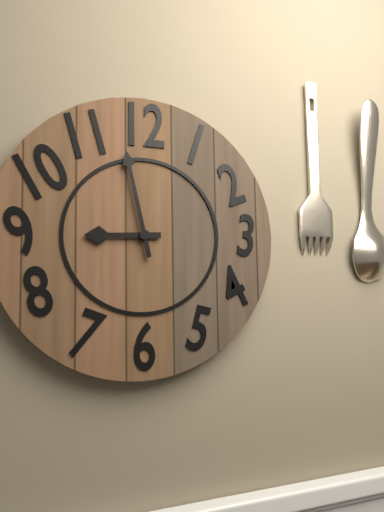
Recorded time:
{"hour": 8, "minute": 58}
